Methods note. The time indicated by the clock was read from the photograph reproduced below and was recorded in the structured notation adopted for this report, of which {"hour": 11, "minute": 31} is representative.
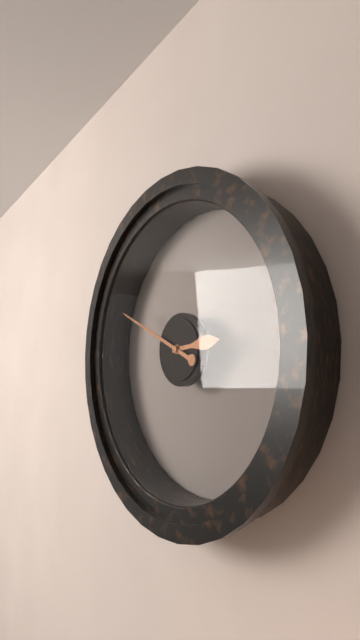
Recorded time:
{"hour": 2, "minute": 49}
